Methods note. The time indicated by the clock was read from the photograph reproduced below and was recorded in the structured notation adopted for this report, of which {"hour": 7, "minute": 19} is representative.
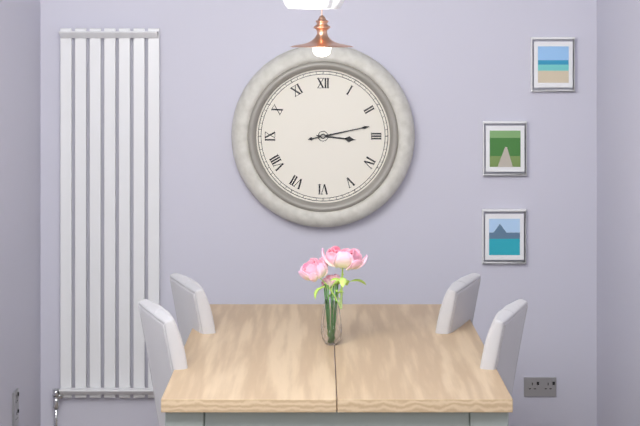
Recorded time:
{"hour": 3, "minute": 13}
